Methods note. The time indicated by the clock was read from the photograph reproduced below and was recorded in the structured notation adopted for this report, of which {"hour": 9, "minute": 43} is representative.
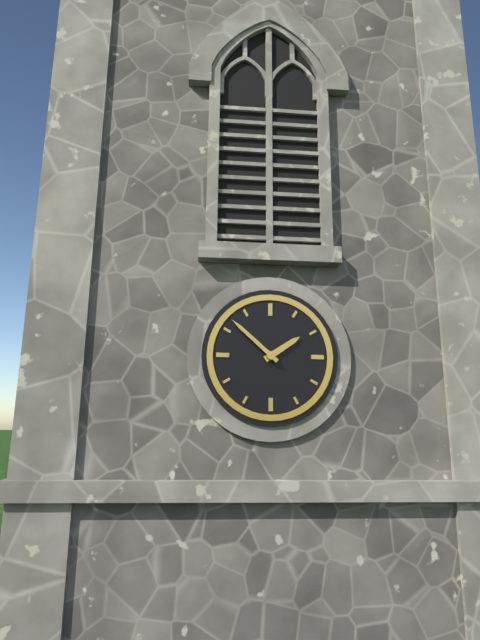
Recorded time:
{"hour": 1, "minute": 52}
